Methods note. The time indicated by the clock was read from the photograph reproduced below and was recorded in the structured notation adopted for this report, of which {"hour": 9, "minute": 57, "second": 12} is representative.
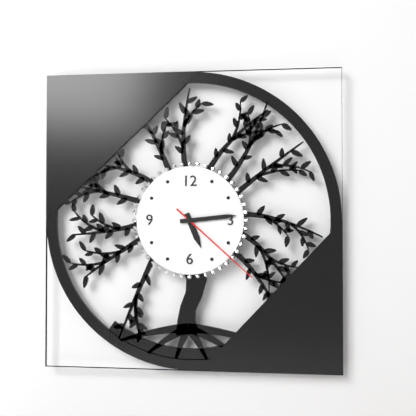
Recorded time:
{"hour": 5, "minute": 14, "second": 22}
